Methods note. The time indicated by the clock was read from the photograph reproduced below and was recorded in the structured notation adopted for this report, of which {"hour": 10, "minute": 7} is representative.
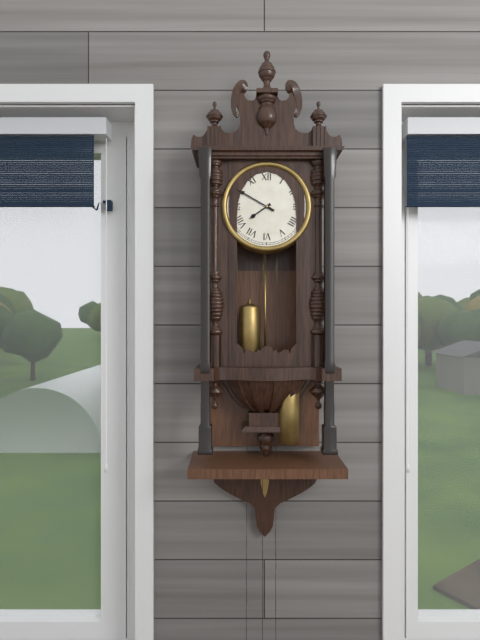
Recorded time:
{"hour": 7, "minute": 50}
